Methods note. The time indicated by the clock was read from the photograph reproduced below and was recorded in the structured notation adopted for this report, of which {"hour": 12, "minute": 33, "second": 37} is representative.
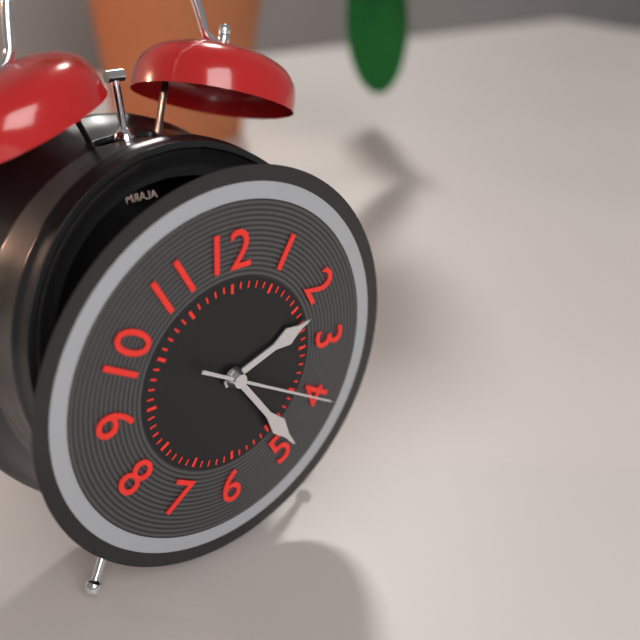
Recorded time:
{"hour": 2, "minute": 24, "second": 20}
